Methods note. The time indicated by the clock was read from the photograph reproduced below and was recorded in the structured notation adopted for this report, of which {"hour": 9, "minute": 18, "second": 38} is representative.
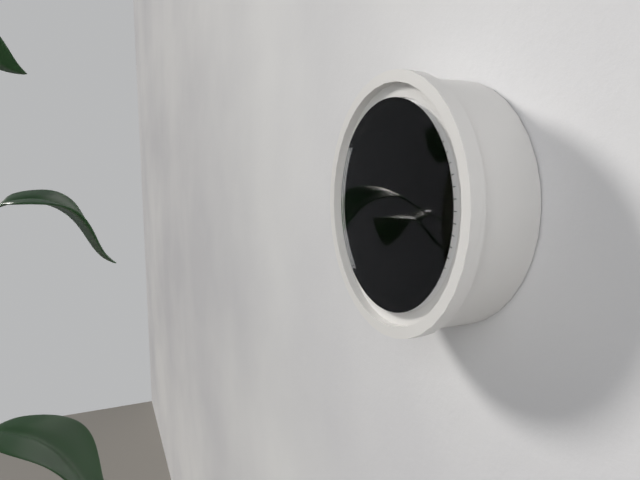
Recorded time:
{"hour": 7, "minute": 55, "second": 30}
